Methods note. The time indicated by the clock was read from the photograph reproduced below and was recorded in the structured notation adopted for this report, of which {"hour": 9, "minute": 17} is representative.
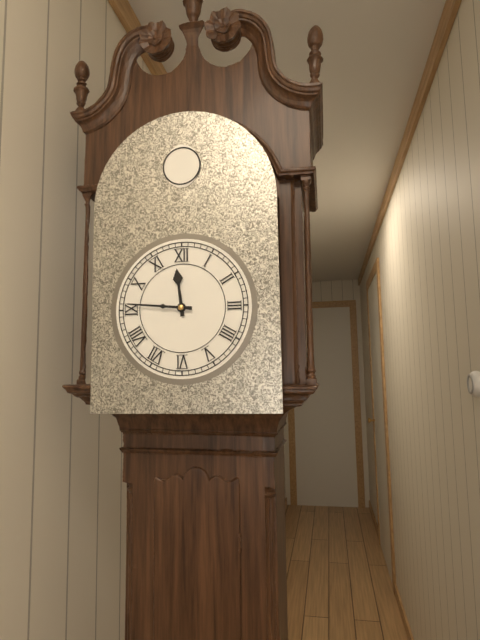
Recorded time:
{"hour": 11, "minute": 46}
